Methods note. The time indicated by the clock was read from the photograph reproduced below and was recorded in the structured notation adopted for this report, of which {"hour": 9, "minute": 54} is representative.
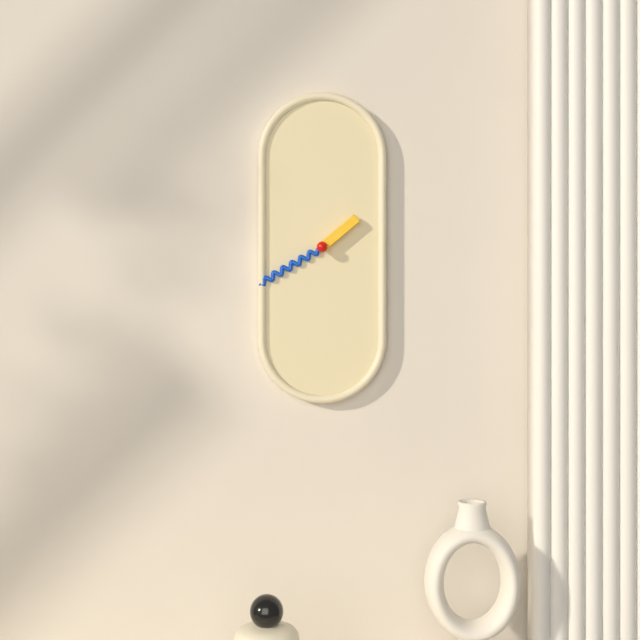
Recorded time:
{"hour": 1, "minute": 40}
